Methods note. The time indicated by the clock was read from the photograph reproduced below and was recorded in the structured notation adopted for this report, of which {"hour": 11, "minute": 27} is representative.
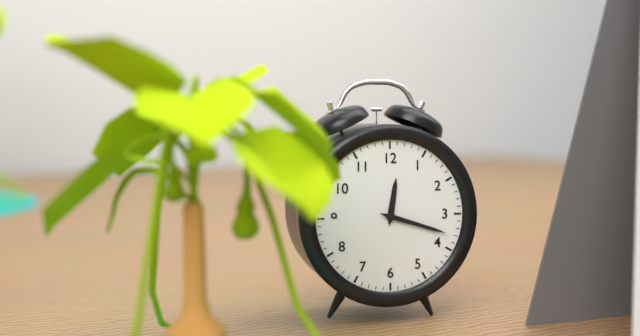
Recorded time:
{"hour": 12, "minute": 18}
